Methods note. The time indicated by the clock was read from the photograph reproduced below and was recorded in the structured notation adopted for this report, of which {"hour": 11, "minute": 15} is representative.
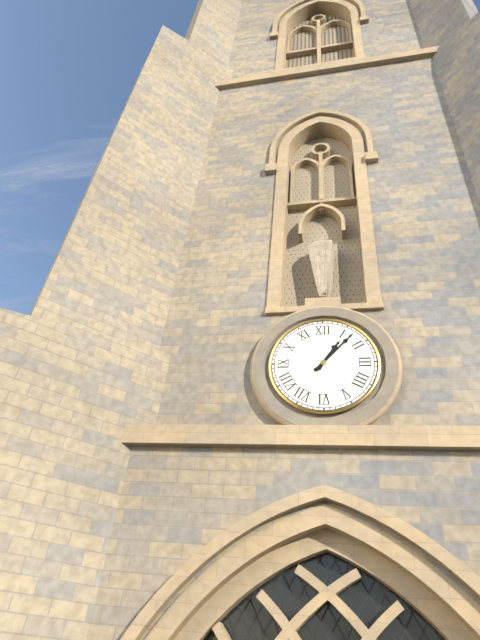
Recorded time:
{"hour": 1, "minute": 7}
